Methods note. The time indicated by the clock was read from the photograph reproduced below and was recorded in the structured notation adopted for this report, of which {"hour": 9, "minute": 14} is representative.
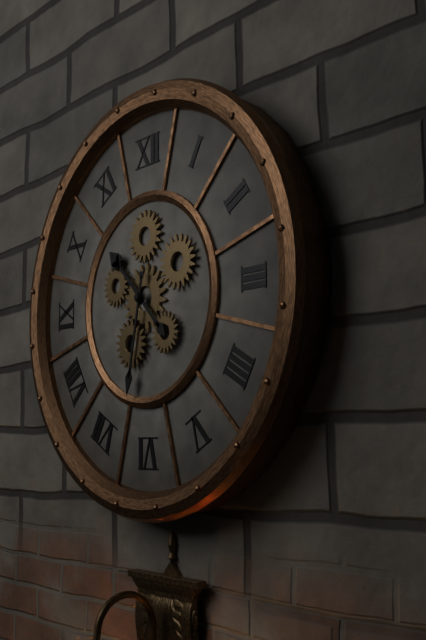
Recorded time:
{"hour": 10, "minute": 32}
